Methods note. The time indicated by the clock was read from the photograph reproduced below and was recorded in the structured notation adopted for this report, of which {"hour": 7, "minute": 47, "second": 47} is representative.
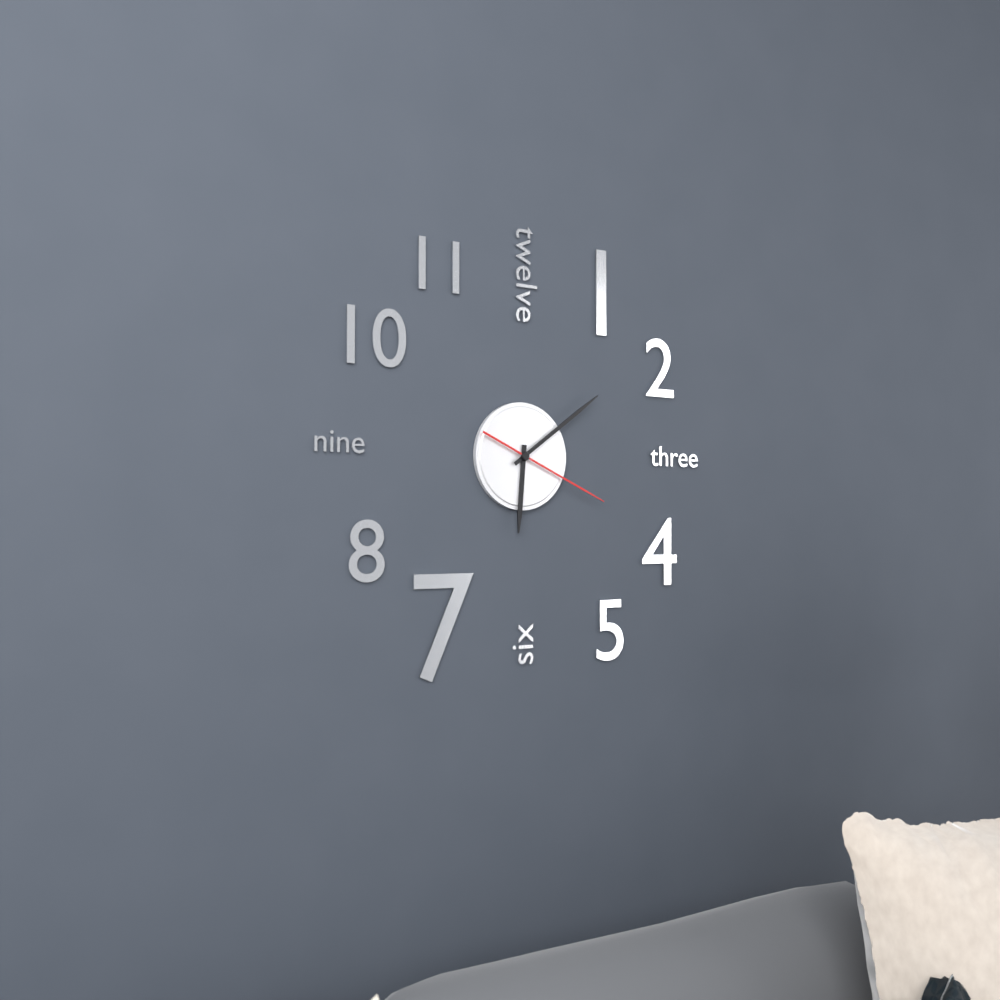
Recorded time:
{"hour": 6, "minute": 9, "second": 19}
